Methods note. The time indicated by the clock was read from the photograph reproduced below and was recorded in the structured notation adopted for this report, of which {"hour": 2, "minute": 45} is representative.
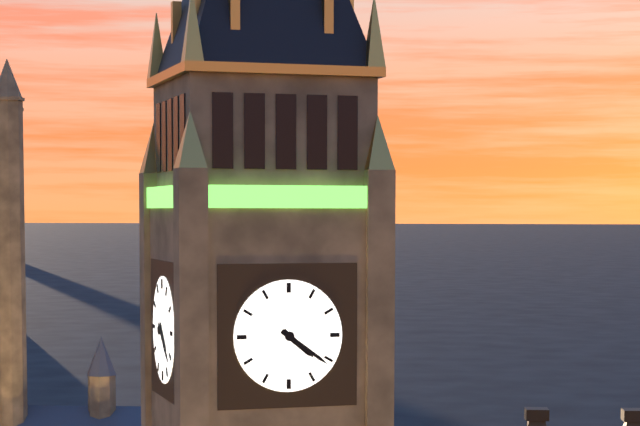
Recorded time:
{"hour": 4, "minute": 21}
